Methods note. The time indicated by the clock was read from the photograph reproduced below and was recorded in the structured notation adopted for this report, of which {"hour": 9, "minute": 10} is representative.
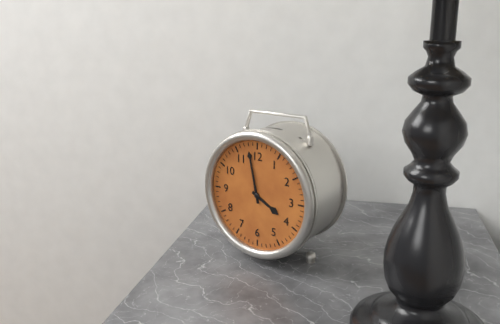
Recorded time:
{"hour": 3, "minute": 58}
